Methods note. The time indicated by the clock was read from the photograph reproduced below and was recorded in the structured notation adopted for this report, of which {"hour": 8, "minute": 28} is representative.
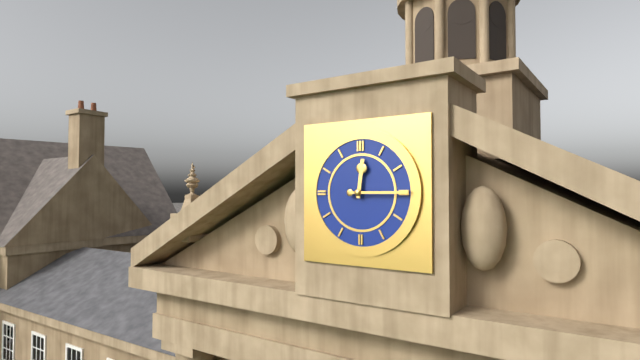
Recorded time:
{"hour": 12, "minute": 15}
